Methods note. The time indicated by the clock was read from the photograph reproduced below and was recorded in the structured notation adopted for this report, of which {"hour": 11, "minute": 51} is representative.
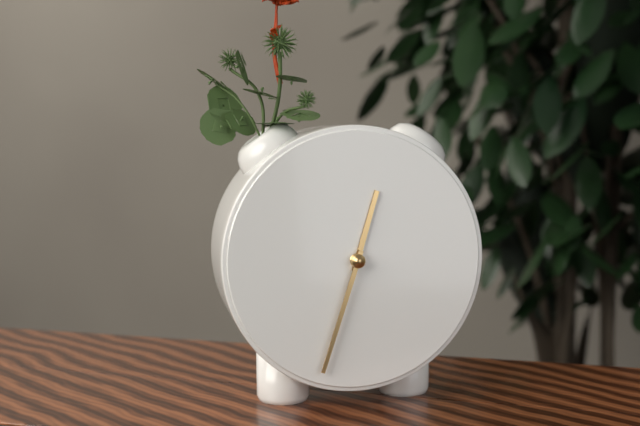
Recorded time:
{"hour": 12, "minute": 33}
